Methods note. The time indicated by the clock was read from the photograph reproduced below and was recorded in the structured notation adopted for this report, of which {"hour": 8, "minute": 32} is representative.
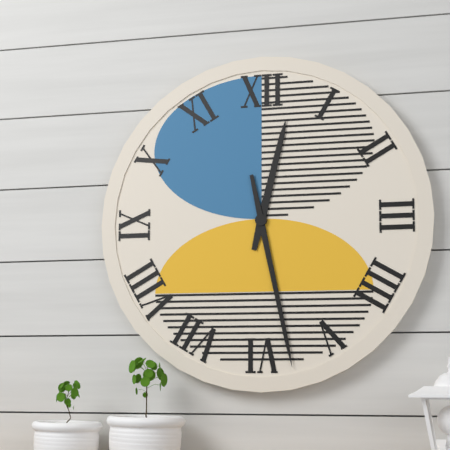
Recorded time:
{"hour": 12, "minute": 28}
